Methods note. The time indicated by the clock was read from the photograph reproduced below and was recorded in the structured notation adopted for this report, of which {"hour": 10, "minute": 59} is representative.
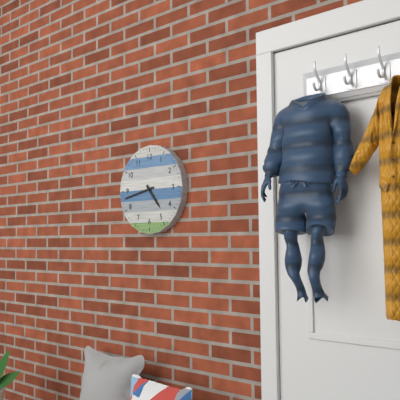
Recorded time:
{"hour": 4, "minute": 43}
